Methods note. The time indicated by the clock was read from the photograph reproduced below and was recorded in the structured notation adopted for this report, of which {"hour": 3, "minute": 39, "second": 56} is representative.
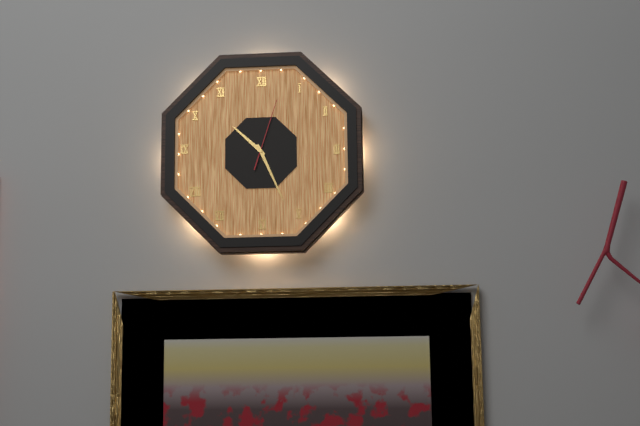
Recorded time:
{"hour": 10, "minute": 26, "second": 3}
